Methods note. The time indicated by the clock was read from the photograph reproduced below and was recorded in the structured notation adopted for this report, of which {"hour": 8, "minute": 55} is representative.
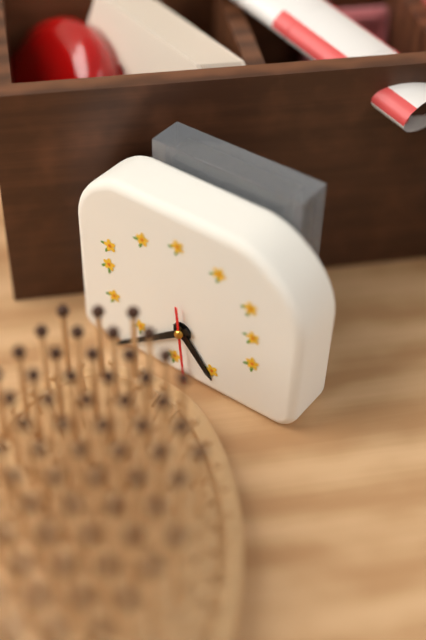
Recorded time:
{"hour": 4, "minute": 39}
